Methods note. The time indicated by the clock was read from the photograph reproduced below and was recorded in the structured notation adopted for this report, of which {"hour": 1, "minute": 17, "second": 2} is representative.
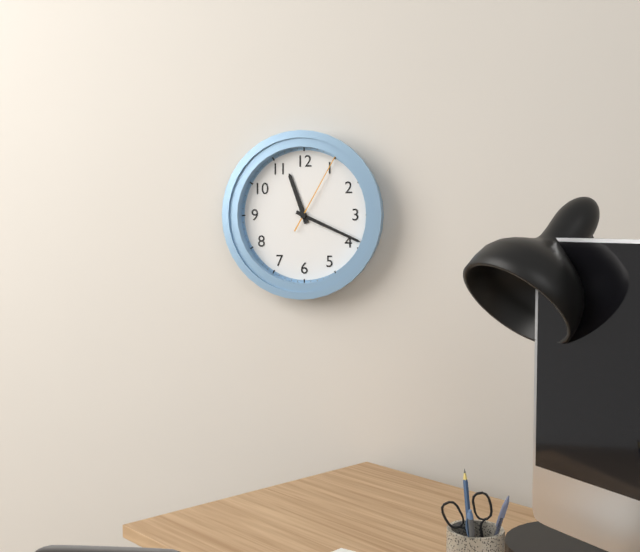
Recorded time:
{"hour": 11, "minute": 19, "second": 5}
